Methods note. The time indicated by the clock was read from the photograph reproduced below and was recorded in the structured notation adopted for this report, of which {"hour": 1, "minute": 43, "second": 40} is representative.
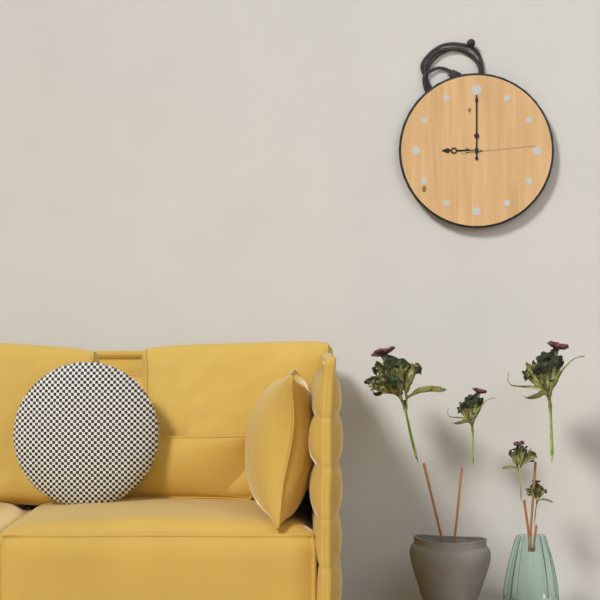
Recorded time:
{"hour": 9, "minute": 0, "second": 14}
